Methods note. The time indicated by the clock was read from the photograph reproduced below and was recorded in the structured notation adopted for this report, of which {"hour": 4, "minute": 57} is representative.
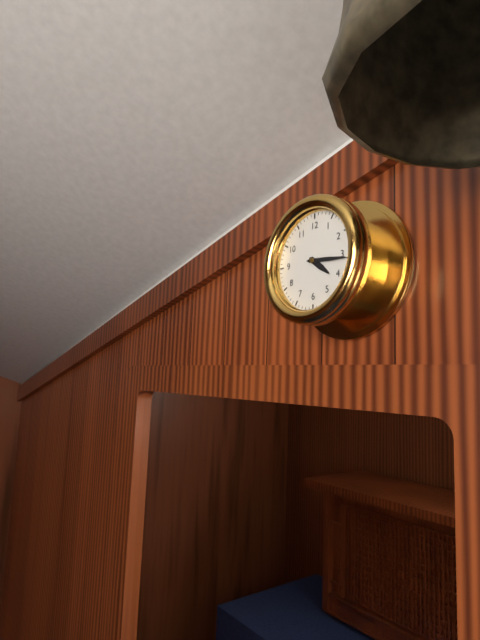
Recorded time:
{"hour": 4, "minute": 16}
